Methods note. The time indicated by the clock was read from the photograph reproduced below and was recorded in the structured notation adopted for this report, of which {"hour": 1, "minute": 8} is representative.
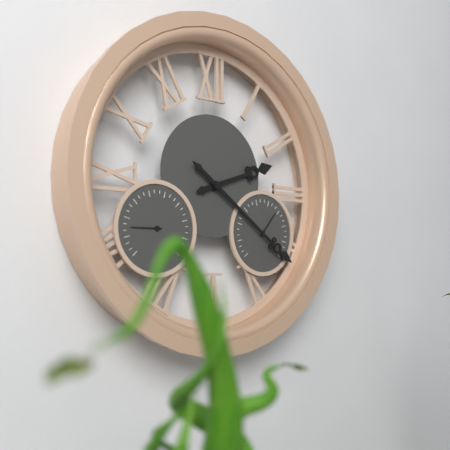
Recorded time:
{"hour": 2, "minute": 21}
